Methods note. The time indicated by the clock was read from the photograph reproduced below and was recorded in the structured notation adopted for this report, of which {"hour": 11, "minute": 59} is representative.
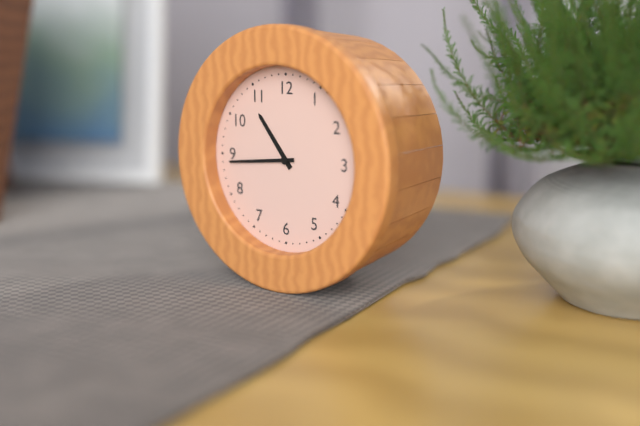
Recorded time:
{"hour": 10, "minute": 44}
